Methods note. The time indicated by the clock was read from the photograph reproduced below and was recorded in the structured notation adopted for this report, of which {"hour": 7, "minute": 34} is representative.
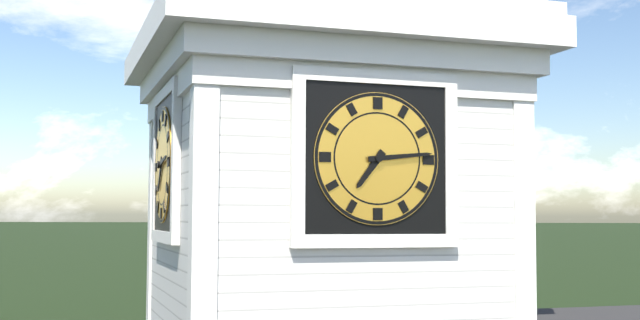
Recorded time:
{"hour": 7, "minute": 14}
